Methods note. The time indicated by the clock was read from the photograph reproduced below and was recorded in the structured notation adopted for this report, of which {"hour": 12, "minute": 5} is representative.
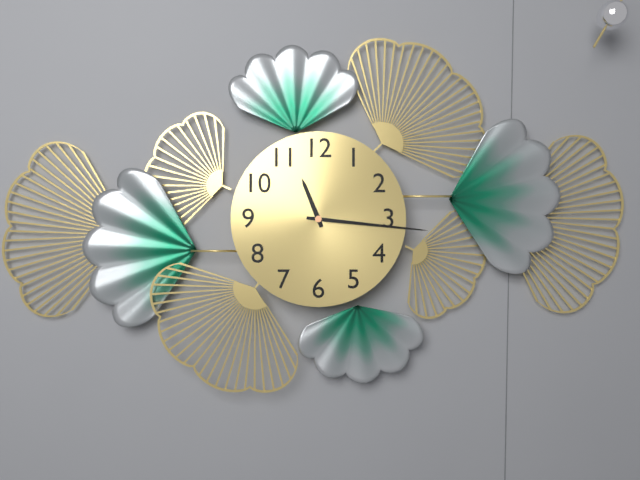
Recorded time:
{"hour": 11, "minute": 16}
